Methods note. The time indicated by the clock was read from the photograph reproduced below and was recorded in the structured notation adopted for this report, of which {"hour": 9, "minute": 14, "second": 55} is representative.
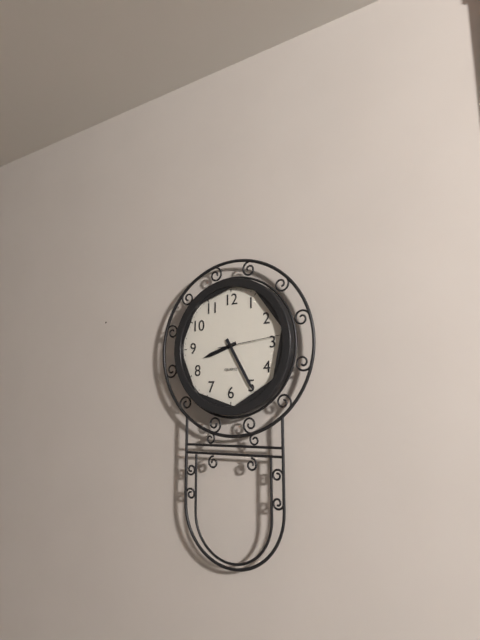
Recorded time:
{"hour": 8, "minute": 25, "second": 14}
